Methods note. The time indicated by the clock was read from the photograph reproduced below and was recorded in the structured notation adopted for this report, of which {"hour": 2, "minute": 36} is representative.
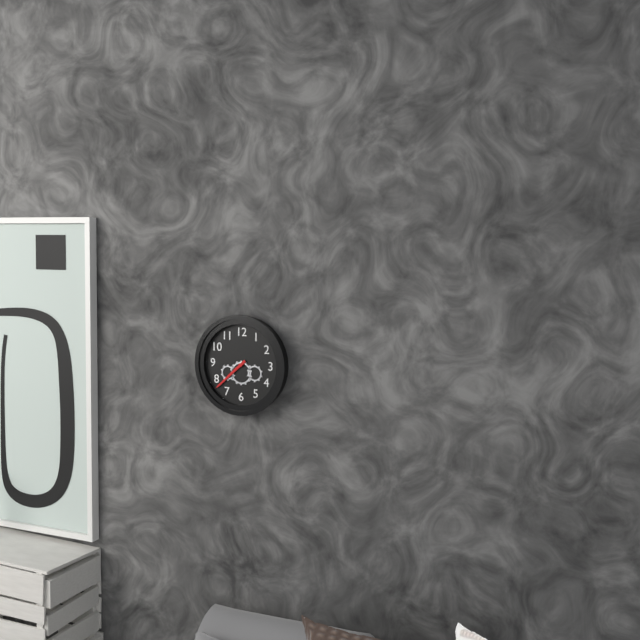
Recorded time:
{"hour": 7, "minute": 38}
